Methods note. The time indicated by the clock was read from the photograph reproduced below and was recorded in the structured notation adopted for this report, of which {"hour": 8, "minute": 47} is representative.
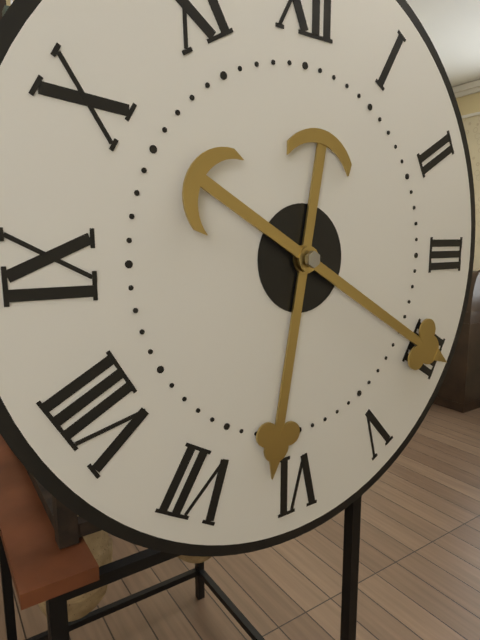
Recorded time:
{"hour": 6, "minute": 20}
